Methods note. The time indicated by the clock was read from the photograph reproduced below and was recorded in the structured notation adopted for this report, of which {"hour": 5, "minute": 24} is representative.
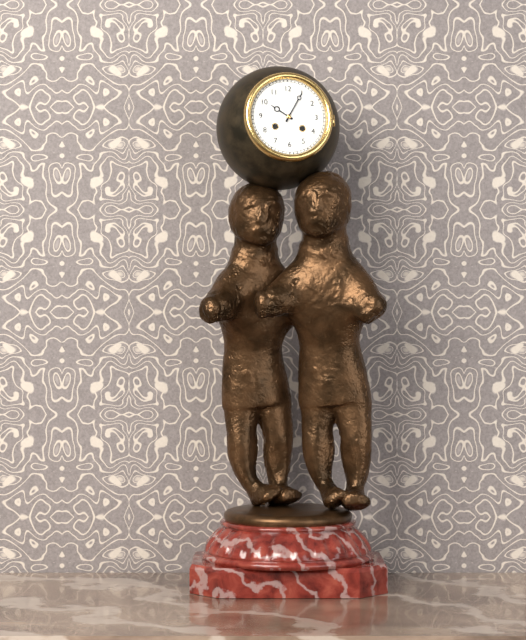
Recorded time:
{"hour": 10, "minute": 5}
